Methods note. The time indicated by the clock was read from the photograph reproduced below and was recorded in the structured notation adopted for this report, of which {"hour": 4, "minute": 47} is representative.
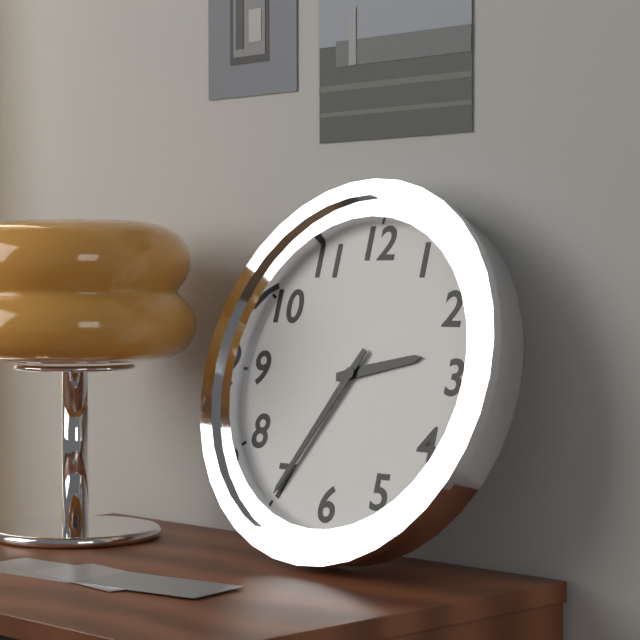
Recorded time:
{"hour": 2, "minute": 35}
